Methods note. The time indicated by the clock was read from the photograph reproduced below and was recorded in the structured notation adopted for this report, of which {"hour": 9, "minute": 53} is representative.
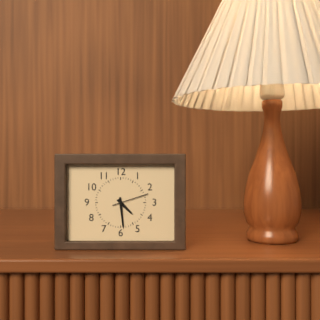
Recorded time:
{"hour": 4, "minute": 29}
